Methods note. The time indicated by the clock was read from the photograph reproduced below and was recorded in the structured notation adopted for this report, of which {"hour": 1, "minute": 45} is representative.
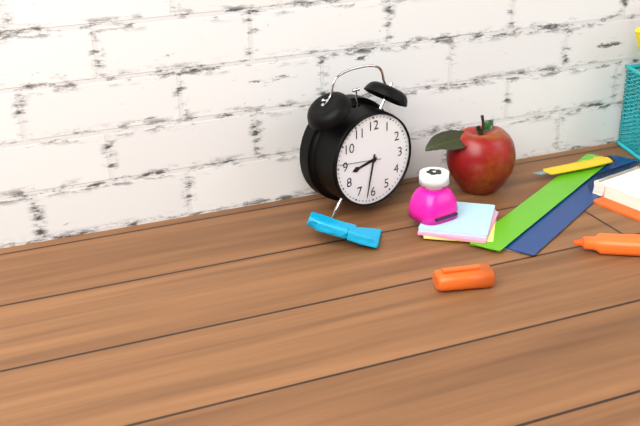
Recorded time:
{"hour": 8, "minute": 32}
